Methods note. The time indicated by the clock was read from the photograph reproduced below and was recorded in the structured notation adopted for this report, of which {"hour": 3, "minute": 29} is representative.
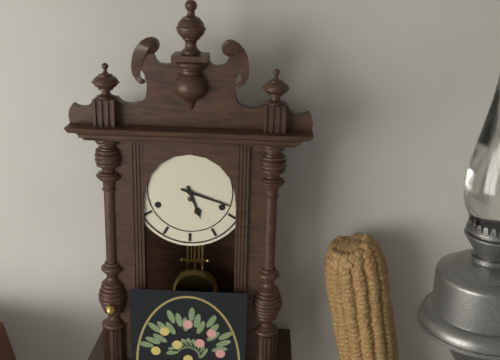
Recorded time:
{"hour": 5, "minute": 18}
